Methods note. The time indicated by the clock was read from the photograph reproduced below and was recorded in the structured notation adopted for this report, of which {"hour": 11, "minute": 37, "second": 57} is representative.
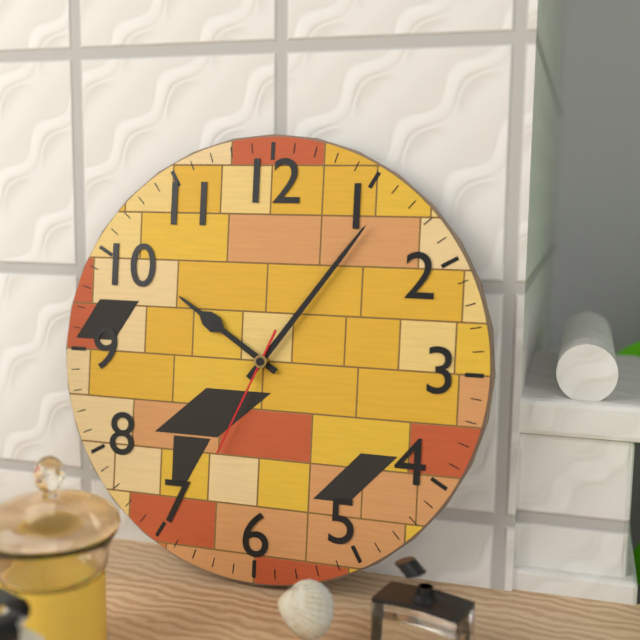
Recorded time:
{"hour": 10, "minute": 6, "second": 34}
